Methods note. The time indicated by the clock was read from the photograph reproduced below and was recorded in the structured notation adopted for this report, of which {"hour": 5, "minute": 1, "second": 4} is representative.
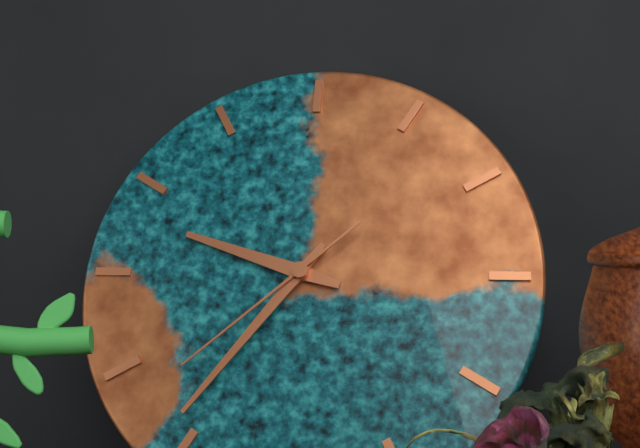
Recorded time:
{"hour": 9, "minute": 36, "second": 38}
